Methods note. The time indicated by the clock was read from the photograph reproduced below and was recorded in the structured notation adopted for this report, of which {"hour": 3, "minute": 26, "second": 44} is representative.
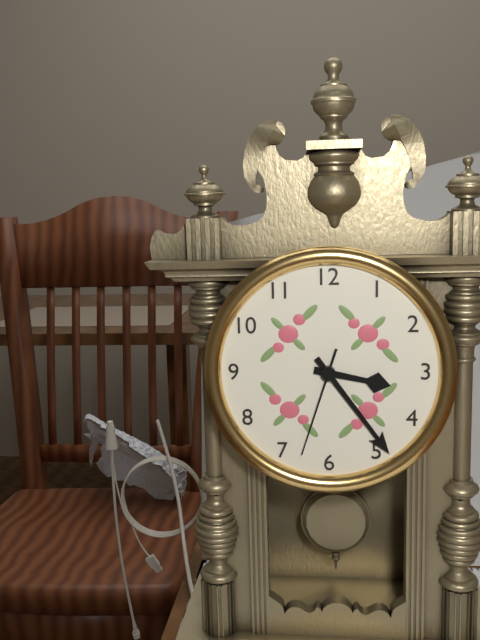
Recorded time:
{"hour": 3, "minute": 24, "second": 33}
